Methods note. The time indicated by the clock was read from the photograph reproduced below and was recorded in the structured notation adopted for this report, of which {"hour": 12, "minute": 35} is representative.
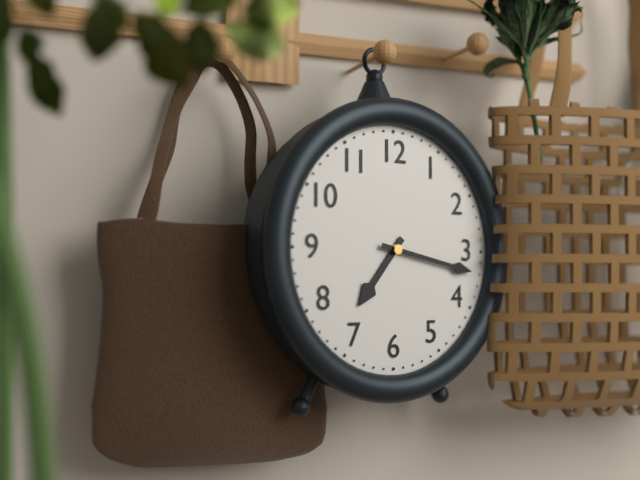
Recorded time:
{"hour": 7, "minute": 17}
